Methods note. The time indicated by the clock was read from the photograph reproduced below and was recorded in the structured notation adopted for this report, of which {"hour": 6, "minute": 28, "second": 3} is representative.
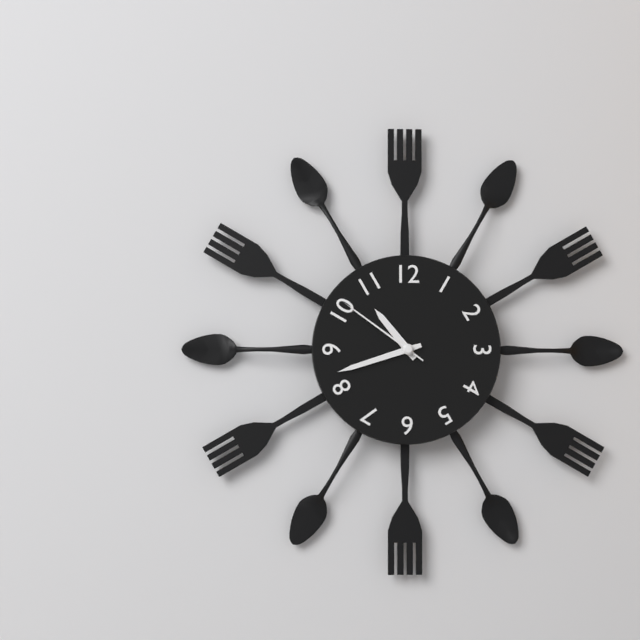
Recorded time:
{"hour": 10, "minute": 42, "second": 51}
